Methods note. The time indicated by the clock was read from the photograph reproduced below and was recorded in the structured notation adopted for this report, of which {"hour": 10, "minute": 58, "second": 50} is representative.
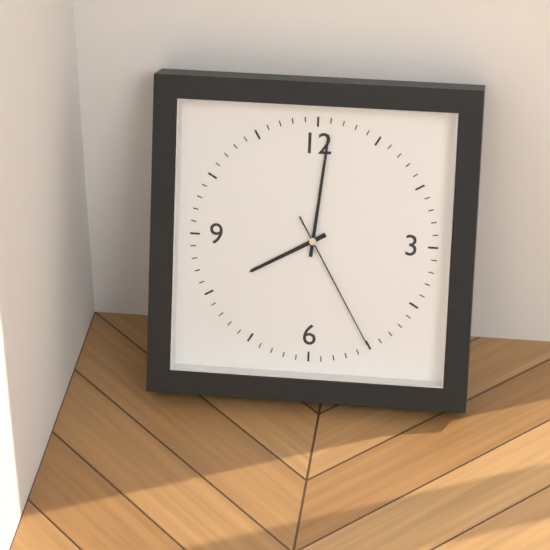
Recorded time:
{"hour": 8, "minute": 1, "second": 25}
